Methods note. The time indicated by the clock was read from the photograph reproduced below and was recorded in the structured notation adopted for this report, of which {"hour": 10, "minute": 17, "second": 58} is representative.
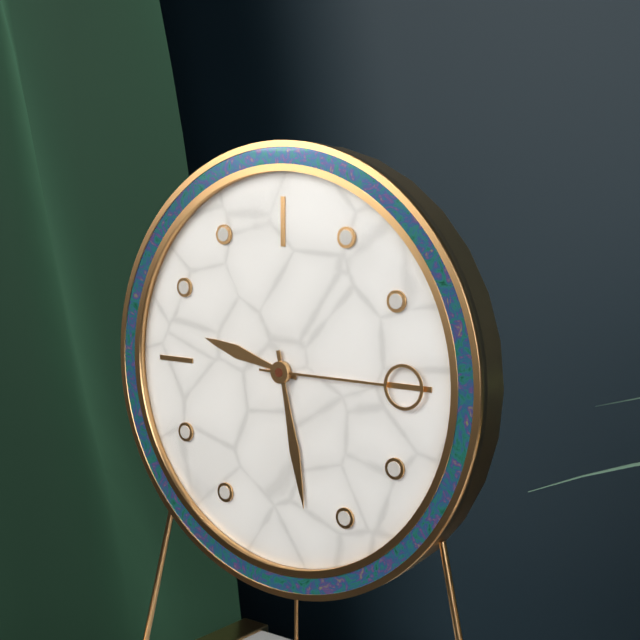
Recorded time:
{"hour": 9, "minute": 28, "second": 15}
